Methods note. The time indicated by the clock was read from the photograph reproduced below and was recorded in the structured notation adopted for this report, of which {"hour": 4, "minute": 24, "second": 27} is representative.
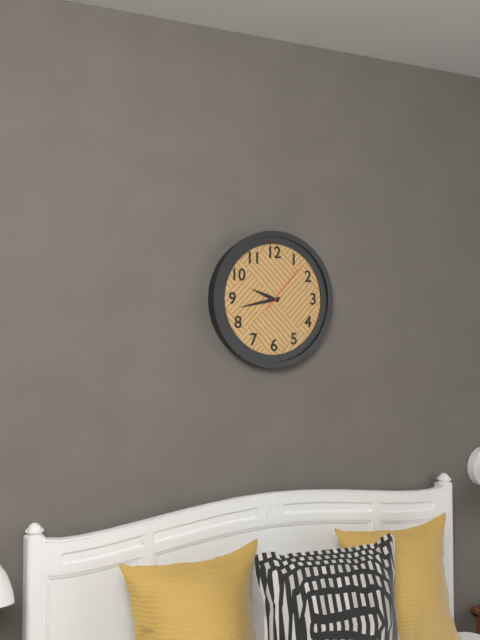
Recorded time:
{"hour": 9, "minute": 43, "second": 7}
